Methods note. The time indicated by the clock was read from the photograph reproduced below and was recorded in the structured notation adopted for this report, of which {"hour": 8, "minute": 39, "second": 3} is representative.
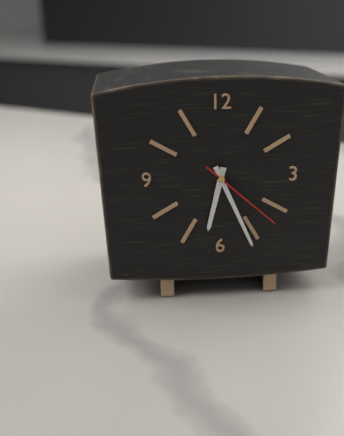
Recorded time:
{"hour": 6, "minute": 26, "second": 22}
